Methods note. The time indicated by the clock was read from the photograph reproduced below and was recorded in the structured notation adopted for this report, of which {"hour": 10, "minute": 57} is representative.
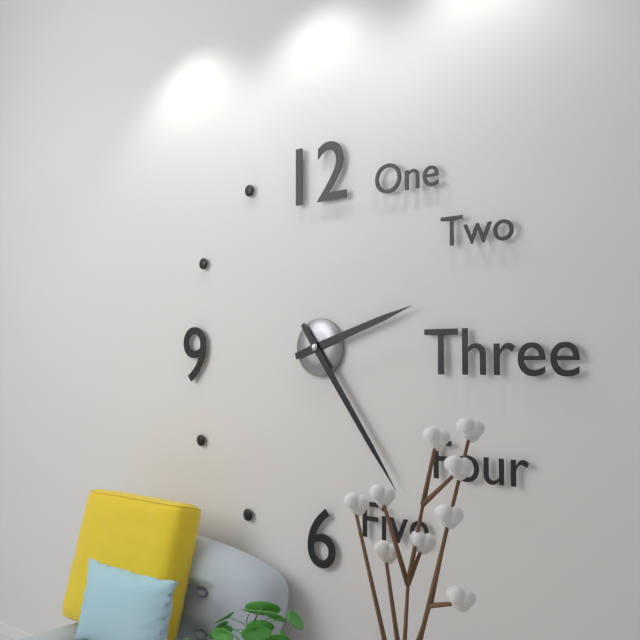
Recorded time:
{"hour": 2, "minute": 24}
